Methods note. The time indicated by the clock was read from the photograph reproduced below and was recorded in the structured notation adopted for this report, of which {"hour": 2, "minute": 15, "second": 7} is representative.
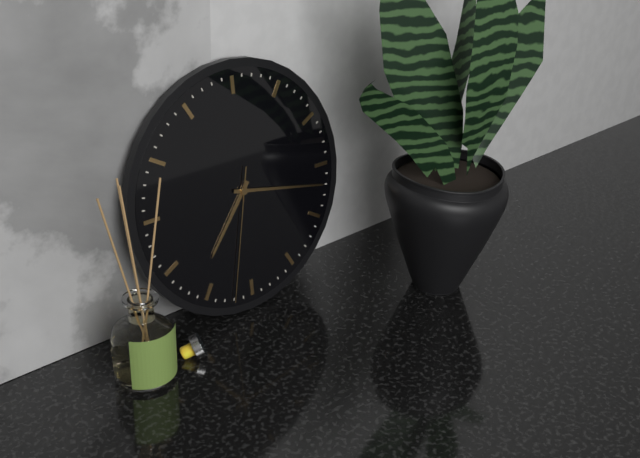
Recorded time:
{"hour": 7, "minute": 17, "second": 32}
